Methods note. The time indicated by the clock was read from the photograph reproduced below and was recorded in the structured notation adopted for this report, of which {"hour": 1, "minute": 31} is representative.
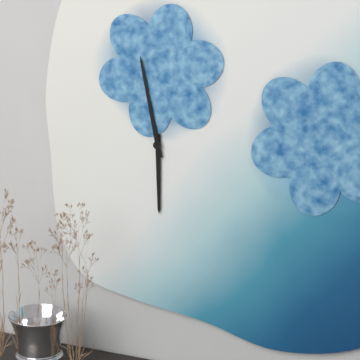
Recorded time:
{"hour": 5, "minute": 58}
